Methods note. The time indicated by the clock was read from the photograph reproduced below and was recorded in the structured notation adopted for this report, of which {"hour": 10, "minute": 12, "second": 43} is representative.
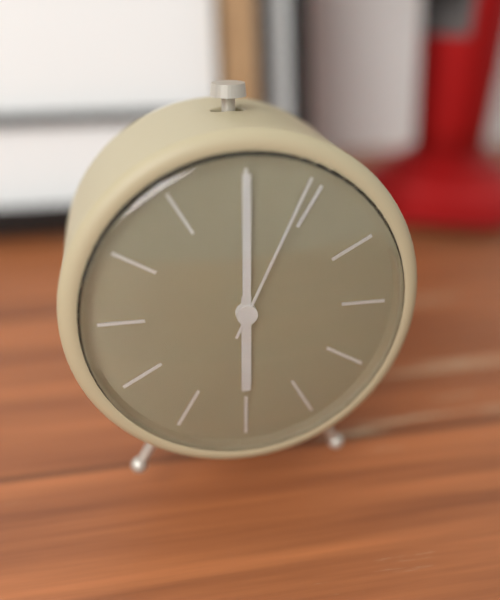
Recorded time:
{"hour": 6, "minute": 0, "second": 4}
